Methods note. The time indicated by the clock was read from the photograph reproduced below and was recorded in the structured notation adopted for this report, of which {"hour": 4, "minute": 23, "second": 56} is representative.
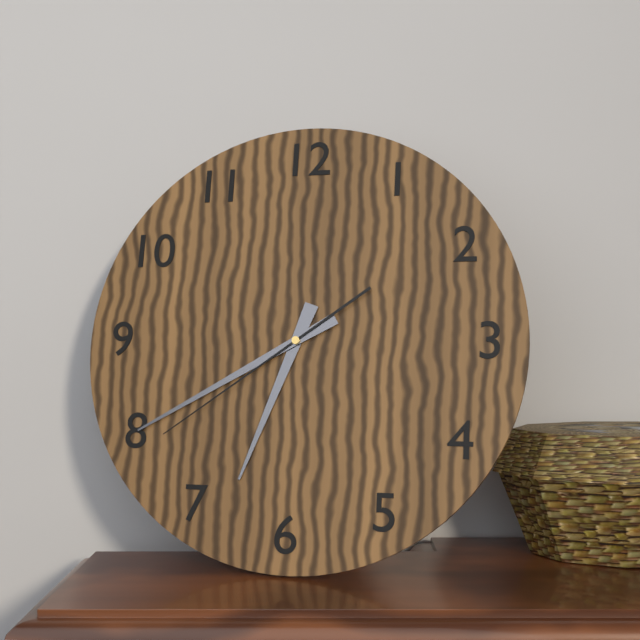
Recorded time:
{"hour": 6, "minute": 40, "second": 39}
